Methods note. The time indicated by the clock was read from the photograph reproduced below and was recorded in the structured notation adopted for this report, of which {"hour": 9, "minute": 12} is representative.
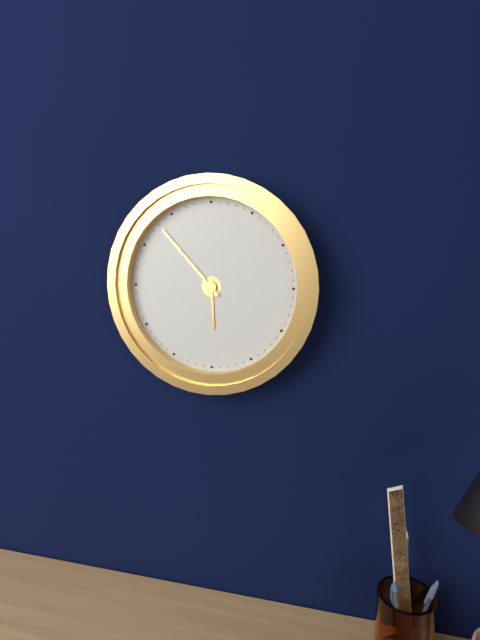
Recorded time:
{"hour": 5, "minute": 53}
